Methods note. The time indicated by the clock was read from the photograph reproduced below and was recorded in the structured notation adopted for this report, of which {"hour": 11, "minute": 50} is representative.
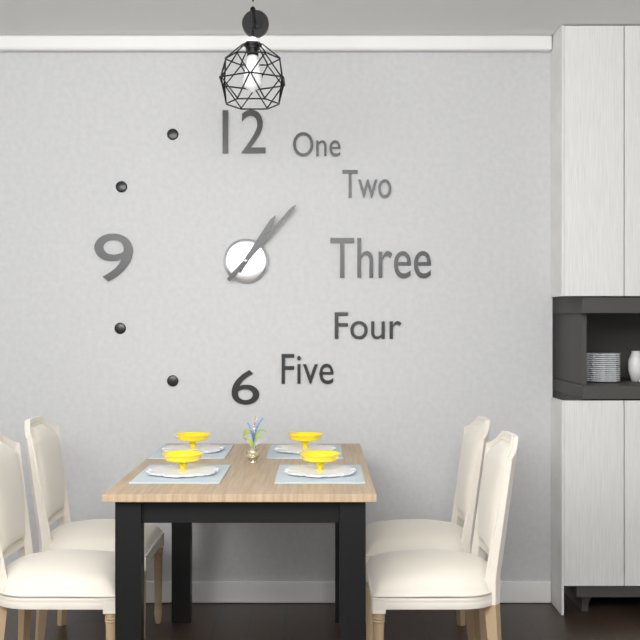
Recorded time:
{"hour": 1, "minute": 7}
